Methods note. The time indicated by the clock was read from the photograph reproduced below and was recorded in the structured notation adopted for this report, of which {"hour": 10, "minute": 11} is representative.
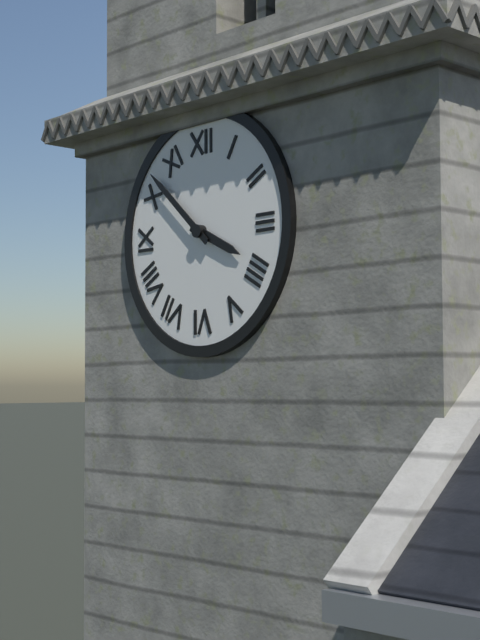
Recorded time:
{"hour": 3, "minute": 52}
